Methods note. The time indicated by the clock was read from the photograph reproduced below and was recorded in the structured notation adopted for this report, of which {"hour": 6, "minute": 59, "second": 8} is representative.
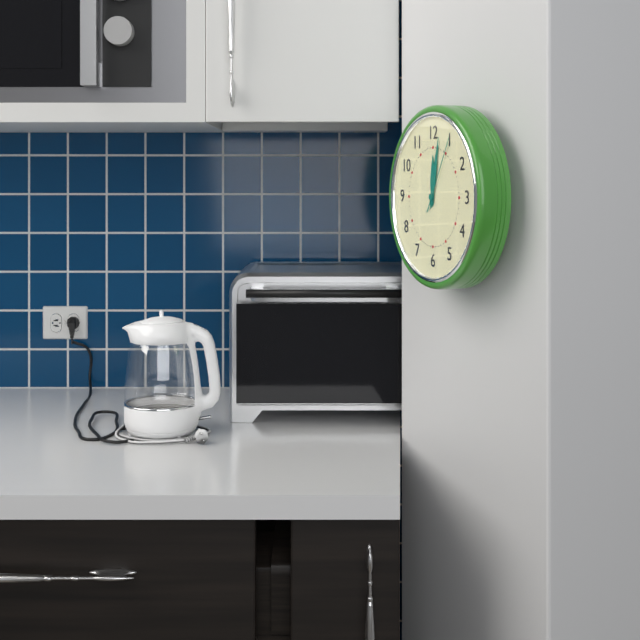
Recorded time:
{"hour": 12, "minute": 2, "second": 5}
